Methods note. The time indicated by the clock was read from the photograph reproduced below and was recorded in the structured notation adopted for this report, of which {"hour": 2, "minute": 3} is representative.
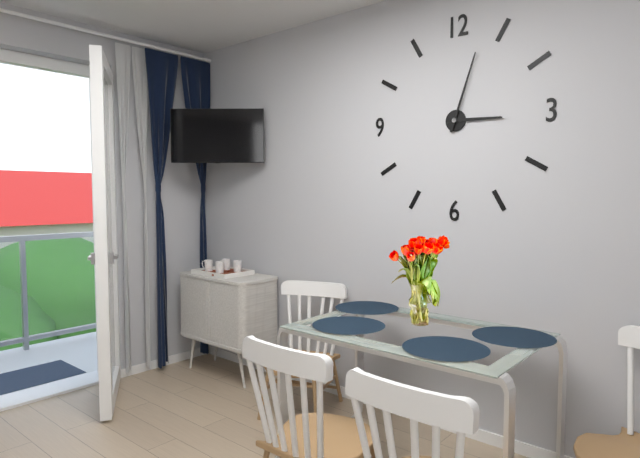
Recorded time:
{"hour": 3, "minute": 3}
